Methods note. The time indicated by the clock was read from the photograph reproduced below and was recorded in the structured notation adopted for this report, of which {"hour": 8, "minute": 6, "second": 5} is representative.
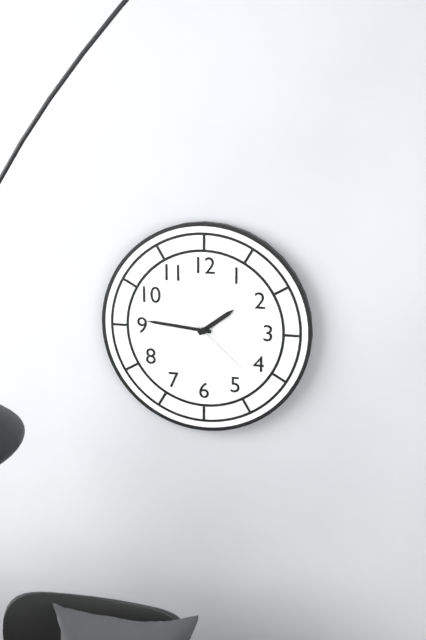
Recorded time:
{"hour": 1, "minute": 46, "second": 22}
